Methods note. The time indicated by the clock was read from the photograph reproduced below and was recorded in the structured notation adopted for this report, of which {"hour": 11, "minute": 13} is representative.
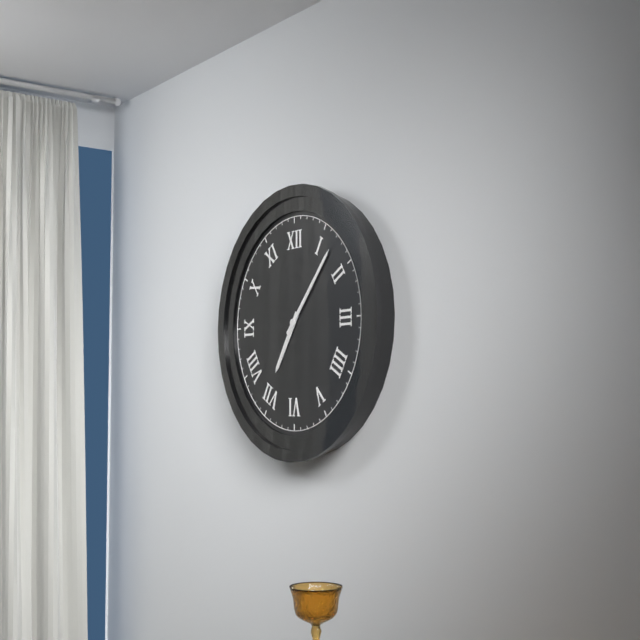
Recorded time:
{"hour": 7, "minute": 7}
